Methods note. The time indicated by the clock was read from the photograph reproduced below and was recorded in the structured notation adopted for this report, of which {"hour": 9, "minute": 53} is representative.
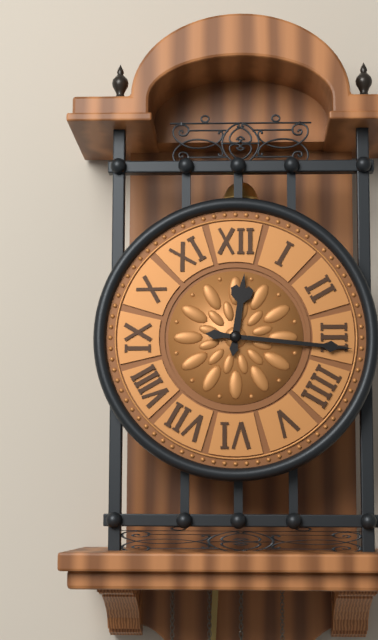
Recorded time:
{"hour": 12, "minute": 16}
